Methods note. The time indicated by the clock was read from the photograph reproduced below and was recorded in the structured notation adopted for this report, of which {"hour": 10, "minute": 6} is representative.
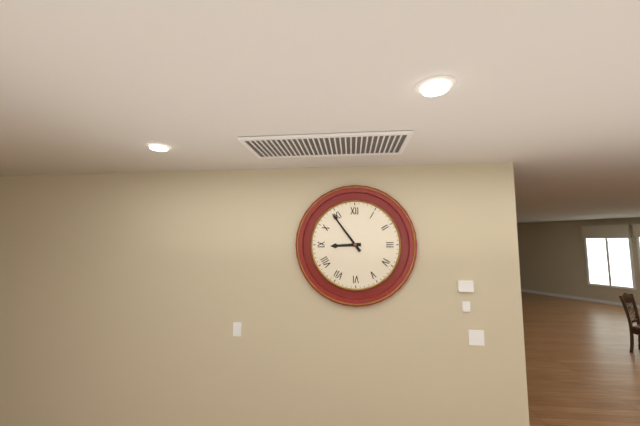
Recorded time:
{"hour": 8, "minute": 54}
